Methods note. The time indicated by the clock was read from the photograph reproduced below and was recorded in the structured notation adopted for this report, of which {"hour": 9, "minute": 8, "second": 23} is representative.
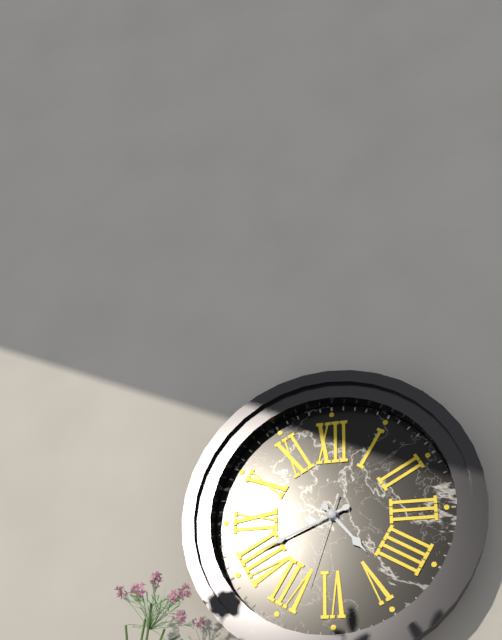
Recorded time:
{"hour": 4, "minute": 41, "second": 33}
